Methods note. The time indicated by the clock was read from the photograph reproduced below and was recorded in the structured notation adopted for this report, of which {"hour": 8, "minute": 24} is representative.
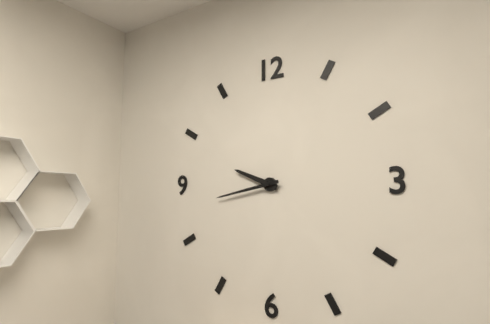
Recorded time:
{"hour": 9, "minute": 43}
